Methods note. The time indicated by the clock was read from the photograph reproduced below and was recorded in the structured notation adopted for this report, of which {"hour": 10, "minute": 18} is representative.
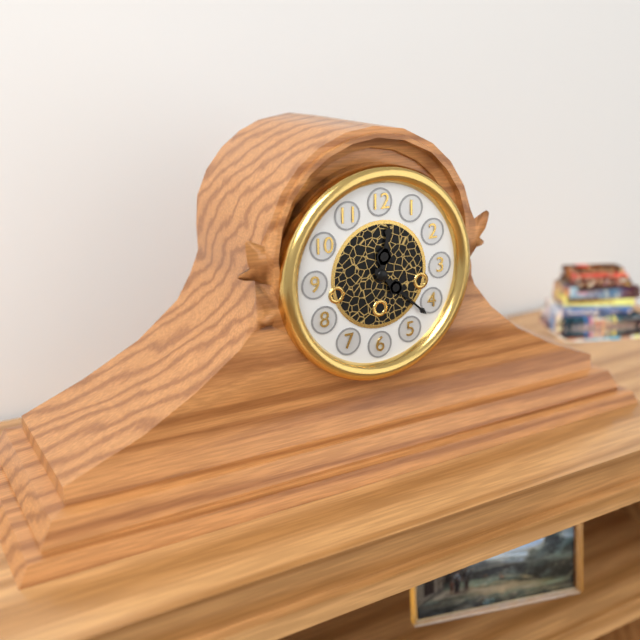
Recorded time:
{"hour": 12, "minute": 22}
